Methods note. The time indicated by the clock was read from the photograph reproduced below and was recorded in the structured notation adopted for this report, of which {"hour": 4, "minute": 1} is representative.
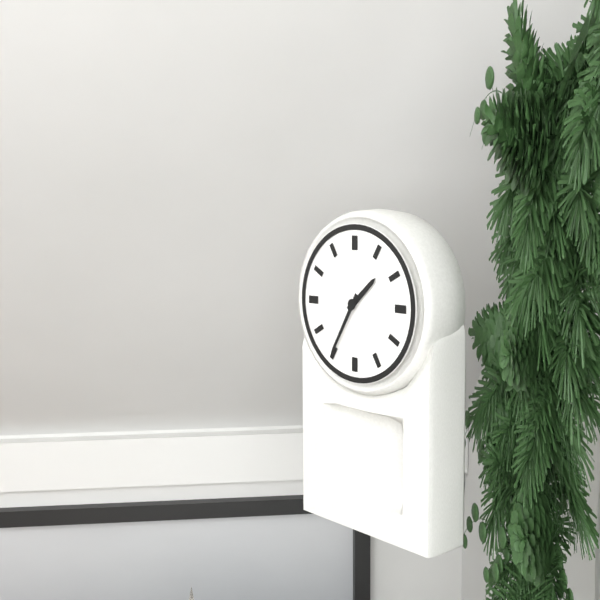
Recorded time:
{"hour": 1, "minute": 35}
